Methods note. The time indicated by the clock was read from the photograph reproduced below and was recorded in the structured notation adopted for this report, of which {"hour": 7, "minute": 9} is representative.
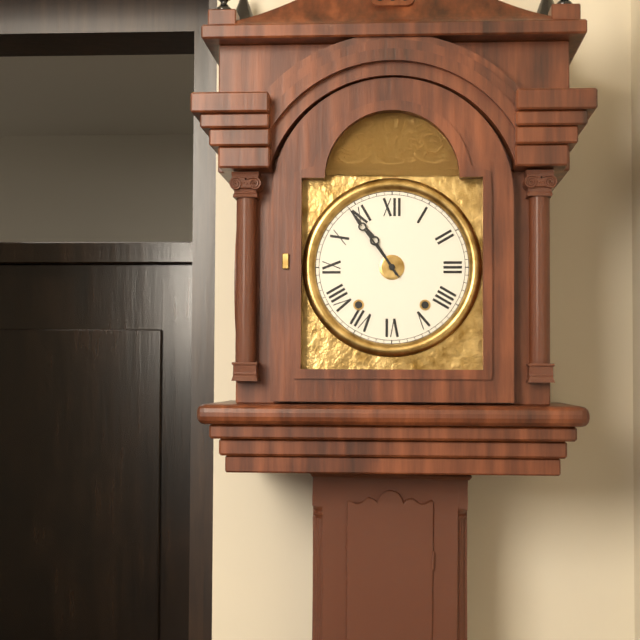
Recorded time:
{"hour": 10, "minute": 54}
